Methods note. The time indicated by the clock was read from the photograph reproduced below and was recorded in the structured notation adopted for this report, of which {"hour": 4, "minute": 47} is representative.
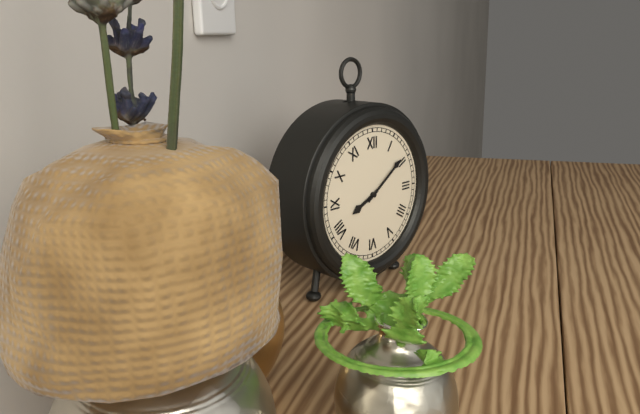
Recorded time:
{"hour": 8, "minute": 9}
